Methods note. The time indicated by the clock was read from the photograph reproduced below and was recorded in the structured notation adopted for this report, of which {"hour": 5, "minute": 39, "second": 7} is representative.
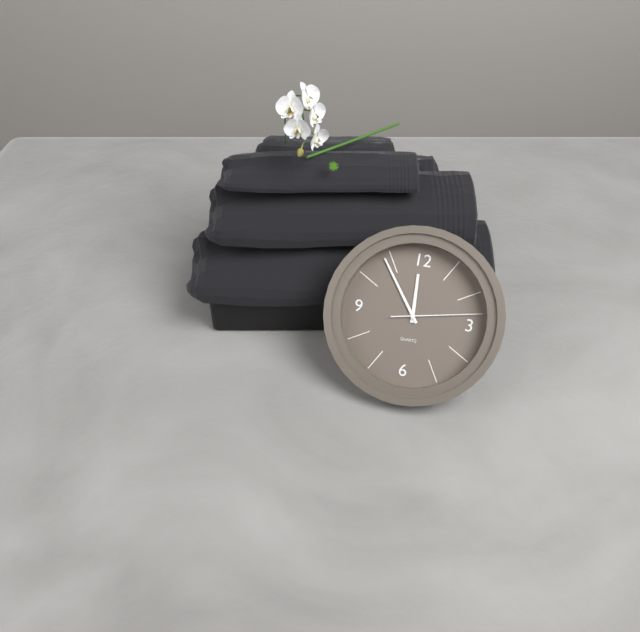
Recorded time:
{"hour": 11, "minute": 54, "second": 13}
